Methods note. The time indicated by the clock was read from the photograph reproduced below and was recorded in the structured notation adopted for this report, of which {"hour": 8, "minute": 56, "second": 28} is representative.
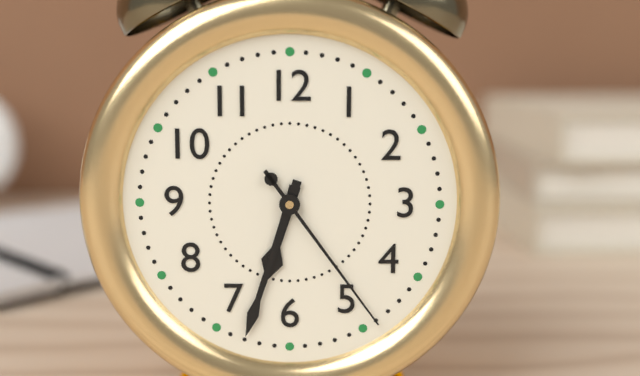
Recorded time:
{"hour": 6, "minute": 33, "second": 24}
